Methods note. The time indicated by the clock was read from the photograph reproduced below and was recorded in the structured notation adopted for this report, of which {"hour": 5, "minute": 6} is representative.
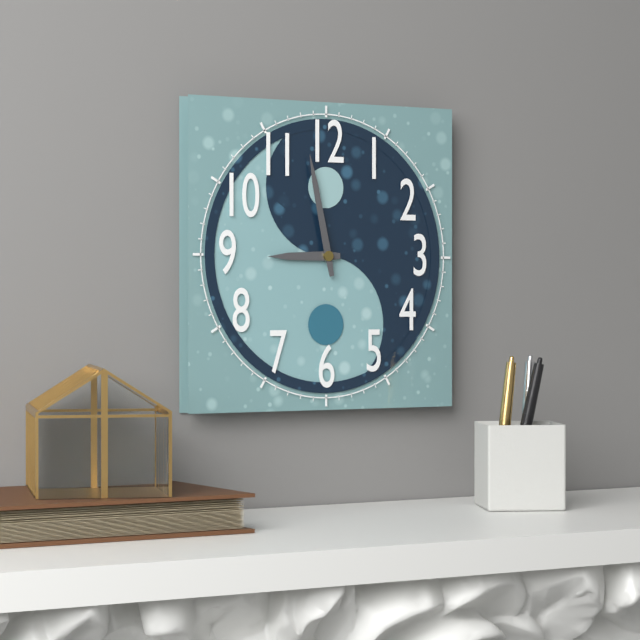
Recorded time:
{"hour": 8, "minute": 58}
